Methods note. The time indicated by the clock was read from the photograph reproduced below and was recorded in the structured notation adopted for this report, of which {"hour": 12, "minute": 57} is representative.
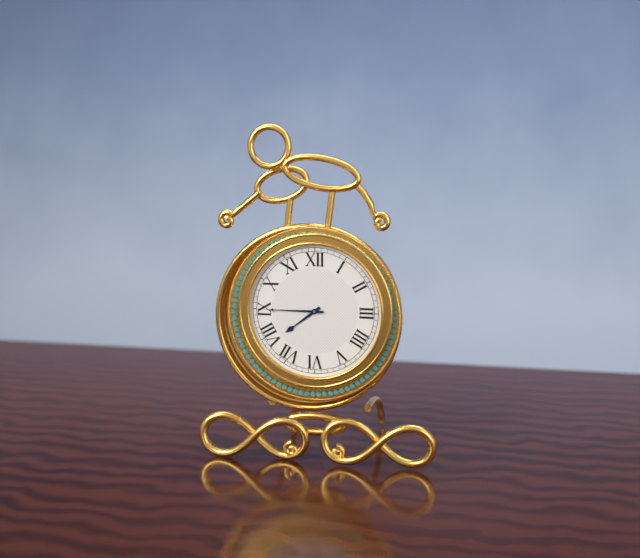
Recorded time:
{"hour": 7, "minute": 45}
